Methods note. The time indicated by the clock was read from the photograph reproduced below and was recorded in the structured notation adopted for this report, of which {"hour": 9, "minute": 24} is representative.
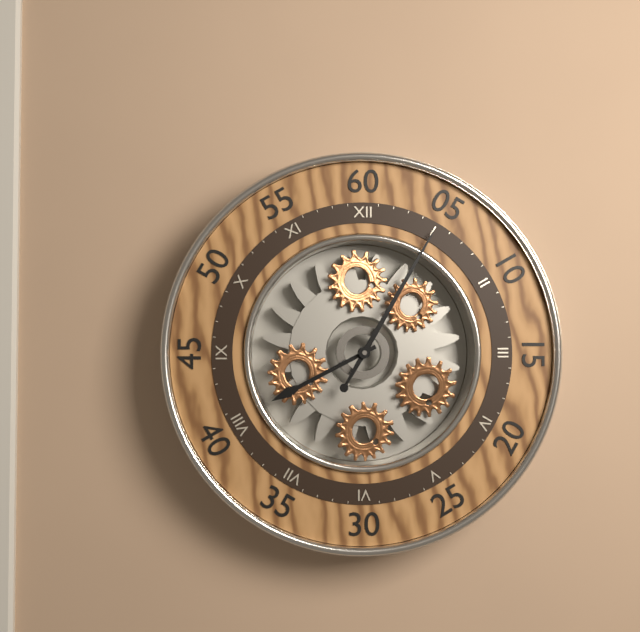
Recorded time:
{"hour": 8, "minute": 5}
